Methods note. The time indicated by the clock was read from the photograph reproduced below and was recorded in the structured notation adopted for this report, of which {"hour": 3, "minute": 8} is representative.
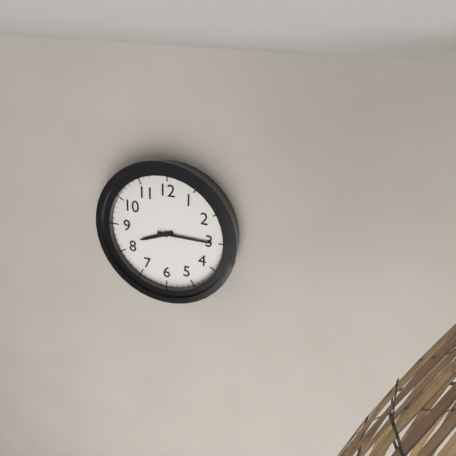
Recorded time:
{"hour": 8, "minute": 15}
